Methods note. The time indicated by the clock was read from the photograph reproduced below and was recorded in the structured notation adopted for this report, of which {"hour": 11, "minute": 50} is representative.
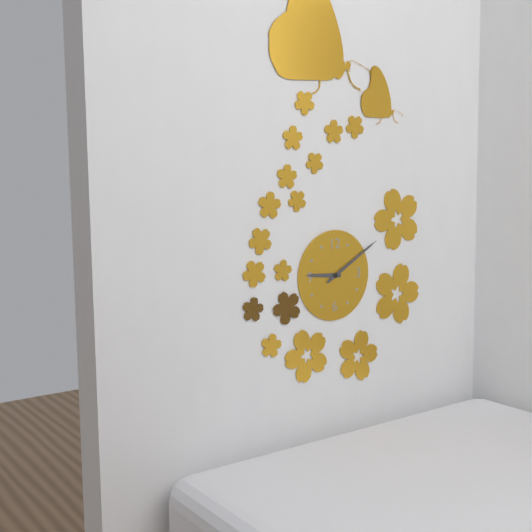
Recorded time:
{"hour": 9, "minute": 10}
